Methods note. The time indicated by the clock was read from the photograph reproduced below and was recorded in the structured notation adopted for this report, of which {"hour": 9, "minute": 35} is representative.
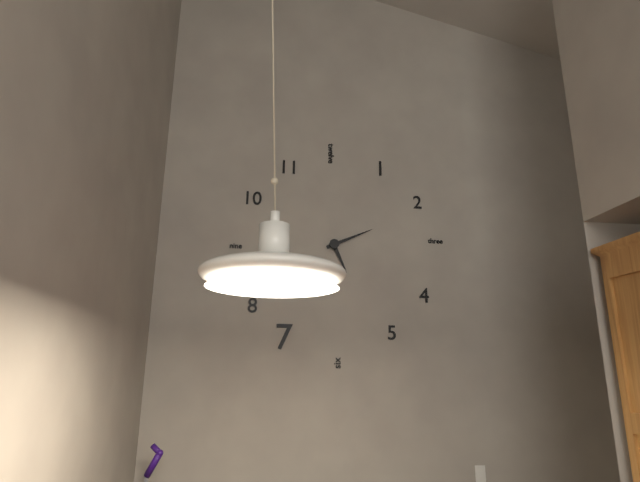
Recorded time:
{"hour": 5, "minute": 11}
